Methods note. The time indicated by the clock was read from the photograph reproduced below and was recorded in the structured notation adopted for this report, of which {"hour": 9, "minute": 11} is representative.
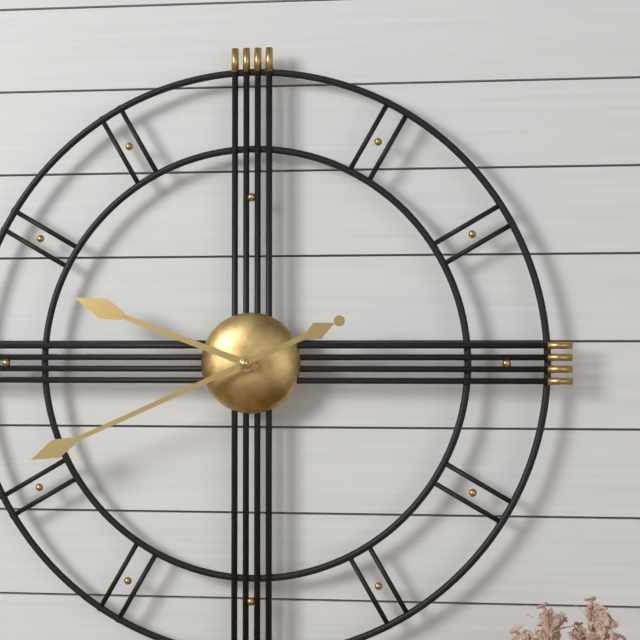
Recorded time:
{"hour": 9, "minute": 41}
